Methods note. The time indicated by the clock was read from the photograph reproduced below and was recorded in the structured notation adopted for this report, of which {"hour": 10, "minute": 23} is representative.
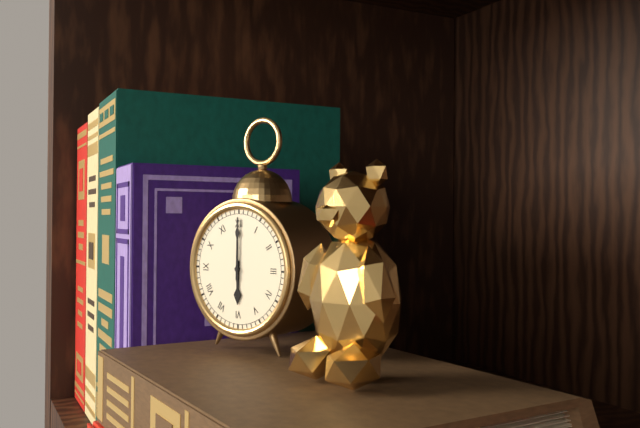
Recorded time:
{"hour": 6, "minute": 0}
